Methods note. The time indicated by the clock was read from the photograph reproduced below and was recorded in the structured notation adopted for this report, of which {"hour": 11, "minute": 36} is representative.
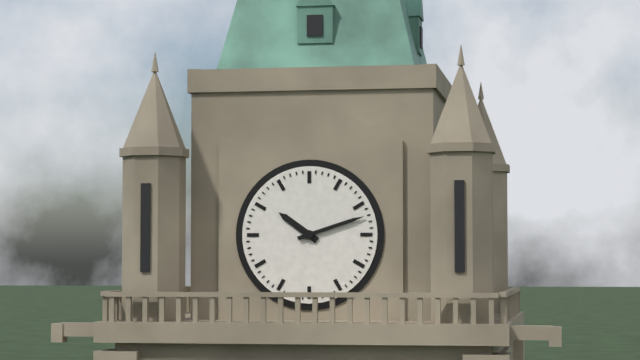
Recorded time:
{"hour": 10, "minute": 12}
